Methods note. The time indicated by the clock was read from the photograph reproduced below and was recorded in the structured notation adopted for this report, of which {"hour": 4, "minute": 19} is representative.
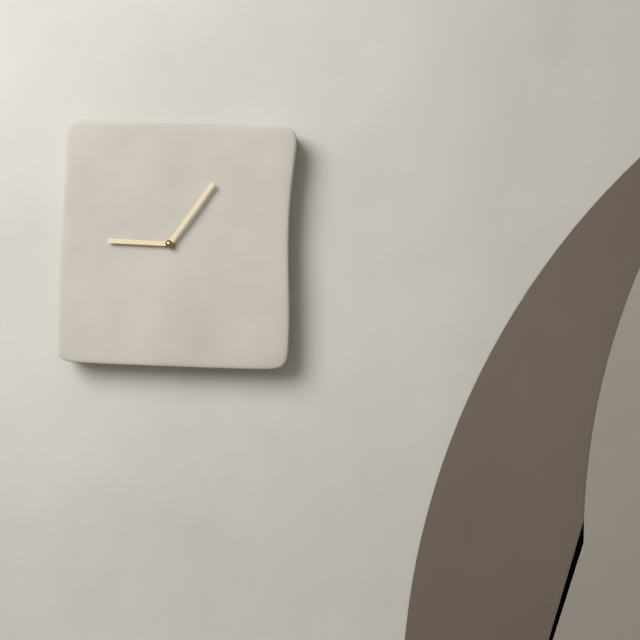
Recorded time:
{"hour": 9, "minute": 6}
